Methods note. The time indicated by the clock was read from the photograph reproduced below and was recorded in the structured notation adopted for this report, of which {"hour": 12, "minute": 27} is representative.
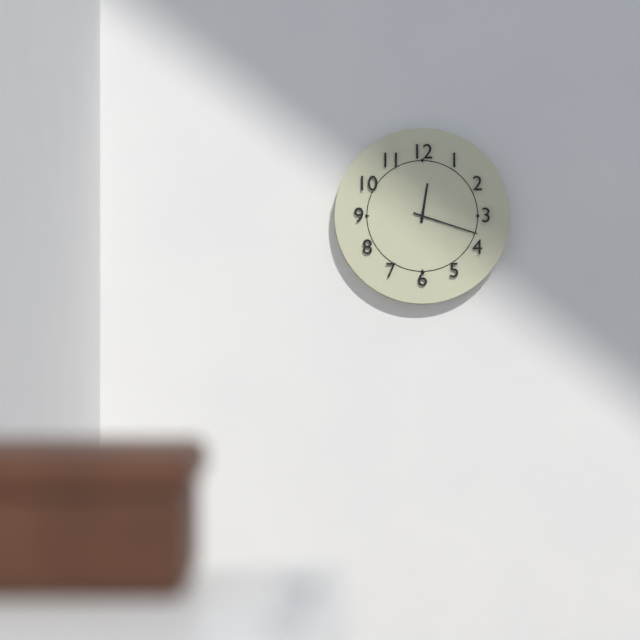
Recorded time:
{"hour": 12, "minute": 18}
